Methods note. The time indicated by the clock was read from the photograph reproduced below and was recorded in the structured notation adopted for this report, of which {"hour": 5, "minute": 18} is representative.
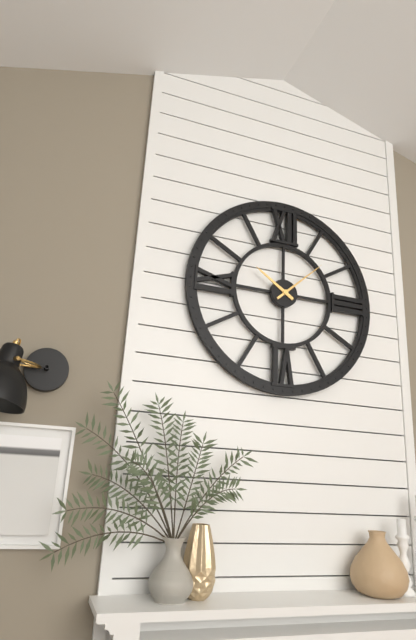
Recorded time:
{"hour": 10, "minute": 8}
